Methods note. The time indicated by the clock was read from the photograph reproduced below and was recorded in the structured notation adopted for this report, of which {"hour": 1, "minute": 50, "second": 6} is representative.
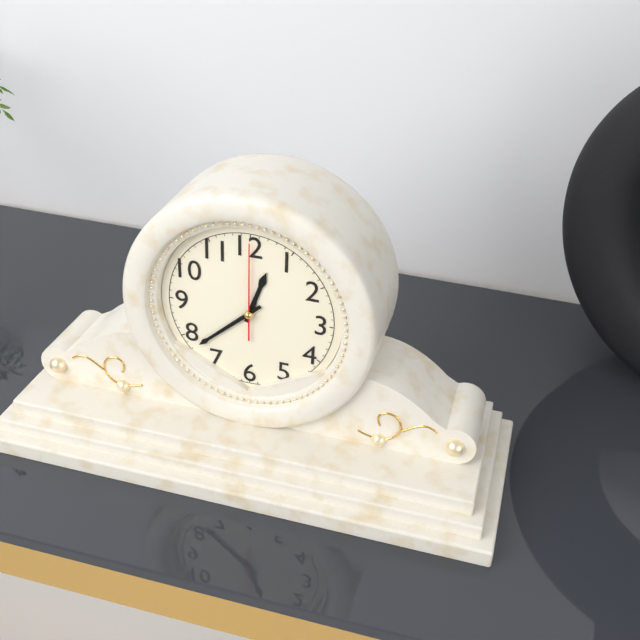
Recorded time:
{"hour": 12, "minute": 38, "second": 0}
